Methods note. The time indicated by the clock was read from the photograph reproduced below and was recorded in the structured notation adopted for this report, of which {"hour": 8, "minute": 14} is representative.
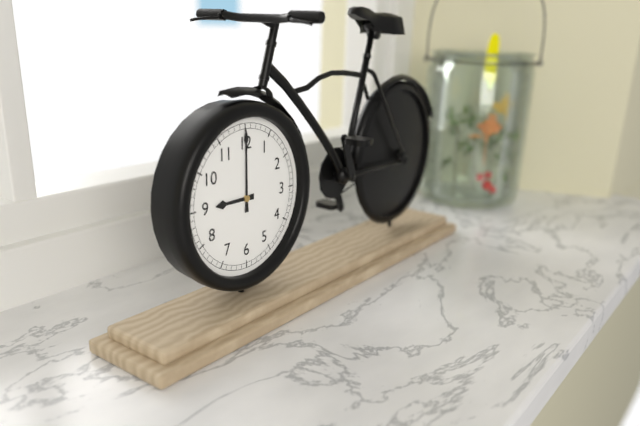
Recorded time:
{"hour": 9, "minute": 0}
